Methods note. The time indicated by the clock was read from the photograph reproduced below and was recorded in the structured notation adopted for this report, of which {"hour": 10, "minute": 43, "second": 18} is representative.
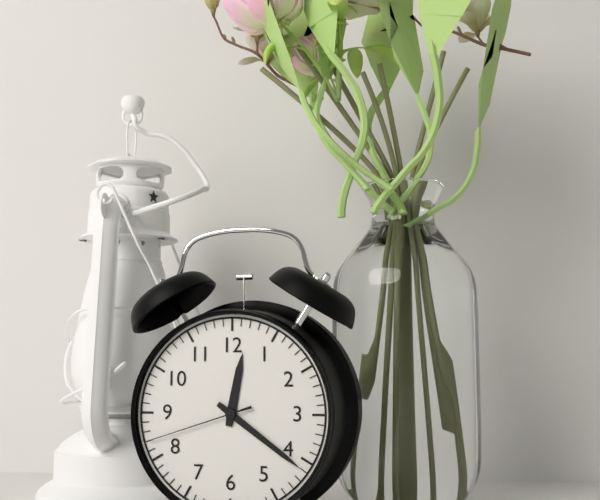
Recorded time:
{"hour": 12, "minute": 21, "second": 42}
